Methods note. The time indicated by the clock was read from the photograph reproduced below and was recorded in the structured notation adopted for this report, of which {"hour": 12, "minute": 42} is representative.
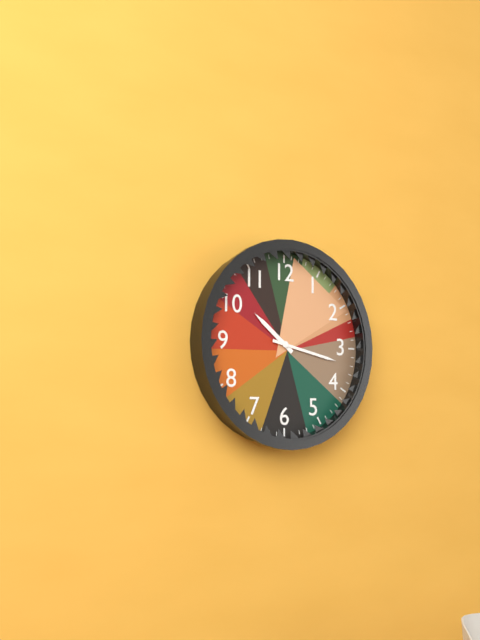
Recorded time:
{"hour": 10, "minute": 17}
